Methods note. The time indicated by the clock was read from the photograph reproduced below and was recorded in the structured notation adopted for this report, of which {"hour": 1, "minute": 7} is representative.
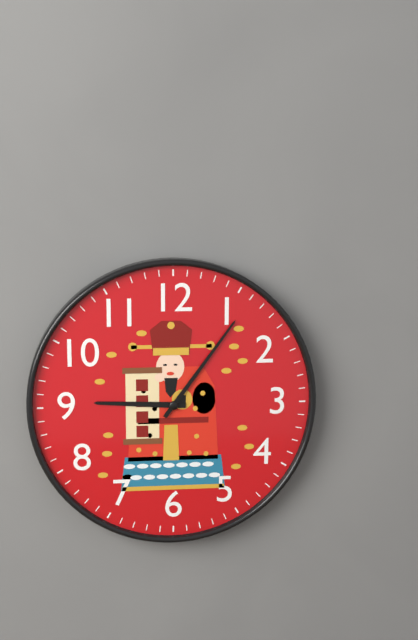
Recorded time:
{"hour": 9, "minute": 6}
